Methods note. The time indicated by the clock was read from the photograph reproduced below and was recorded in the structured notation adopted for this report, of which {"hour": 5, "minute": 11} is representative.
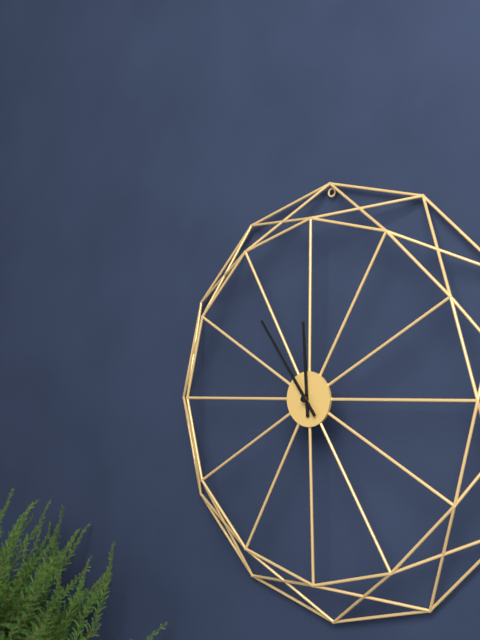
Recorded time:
{"hour": 11, "minute": 54}
